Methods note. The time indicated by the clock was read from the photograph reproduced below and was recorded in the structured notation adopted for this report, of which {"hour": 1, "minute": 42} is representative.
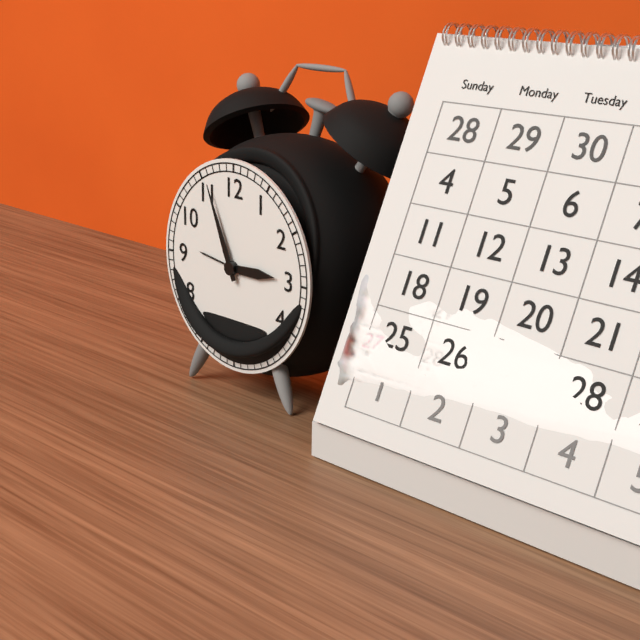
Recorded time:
{"hour": 2, "minute": 56}
